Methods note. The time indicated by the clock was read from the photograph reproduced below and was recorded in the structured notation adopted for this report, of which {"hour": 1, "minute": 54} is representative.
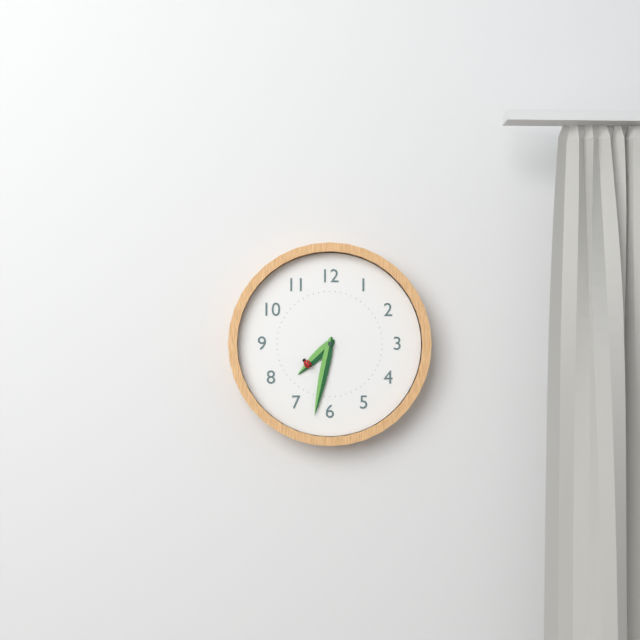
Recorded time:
{"hour": 7, "minute": 32}
